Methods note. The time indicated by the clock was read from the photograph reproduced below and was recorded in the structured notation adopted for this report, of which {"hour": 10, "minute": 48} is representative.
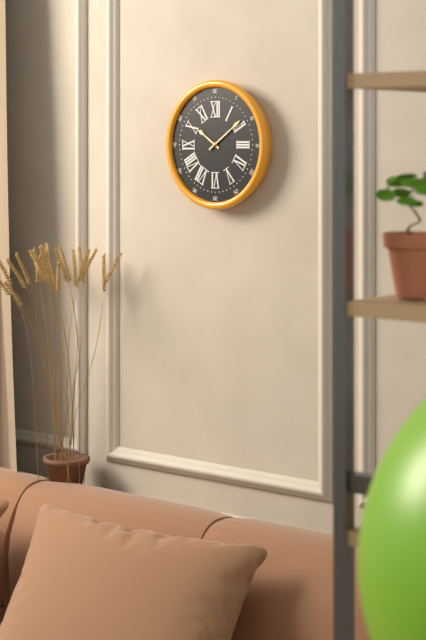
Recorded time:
{"hour": 10, "minute": 9}
